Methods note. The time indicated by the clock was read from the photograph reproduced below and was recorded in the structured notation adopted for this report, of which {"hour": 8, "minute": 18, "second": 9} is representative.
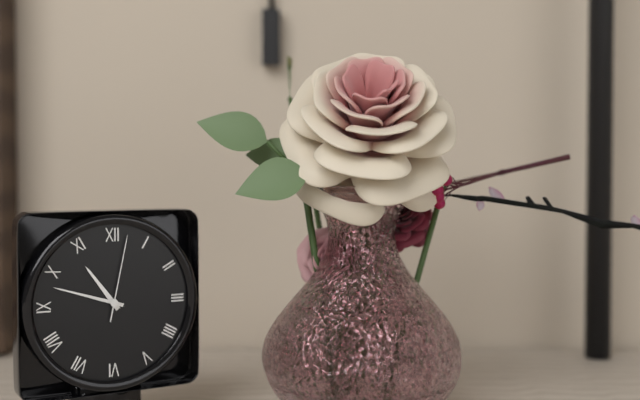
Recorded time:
{"hour": 10, "minute": 48, "second": 2}
